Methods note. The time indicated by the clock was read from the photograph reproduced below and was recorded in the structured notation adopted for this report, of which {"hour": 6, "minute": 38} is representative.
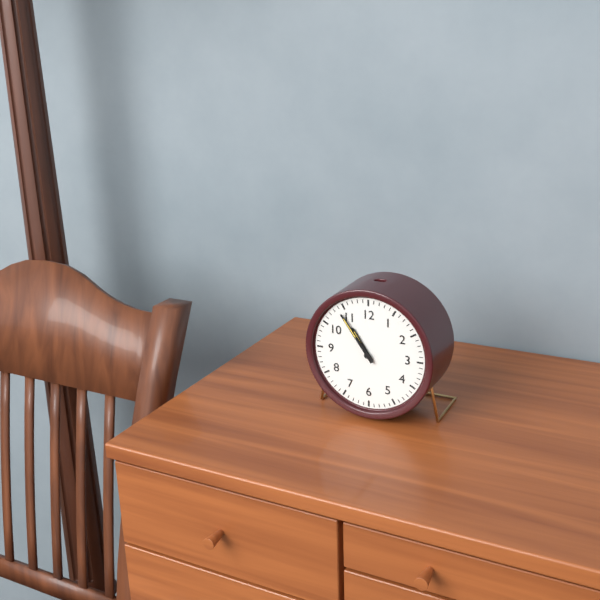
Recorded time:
{"hour": 10, "minute": 54}
